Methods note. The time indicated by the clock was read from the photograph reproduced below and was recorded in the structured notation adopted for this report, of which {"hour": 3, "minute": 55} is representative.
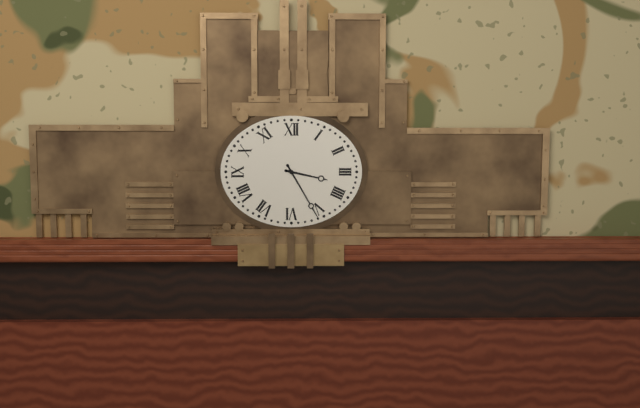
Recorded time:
{"hour": 3, "minute": 25}
